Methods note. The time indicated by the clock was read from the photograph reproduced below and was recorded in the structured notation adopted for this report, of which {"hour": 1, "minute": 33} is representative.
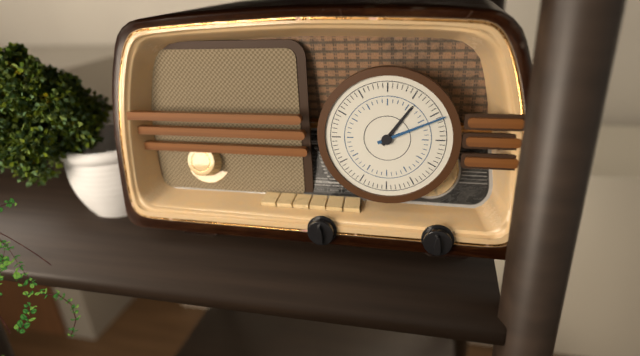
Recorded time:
{"hour": 1, "minute": 11}
